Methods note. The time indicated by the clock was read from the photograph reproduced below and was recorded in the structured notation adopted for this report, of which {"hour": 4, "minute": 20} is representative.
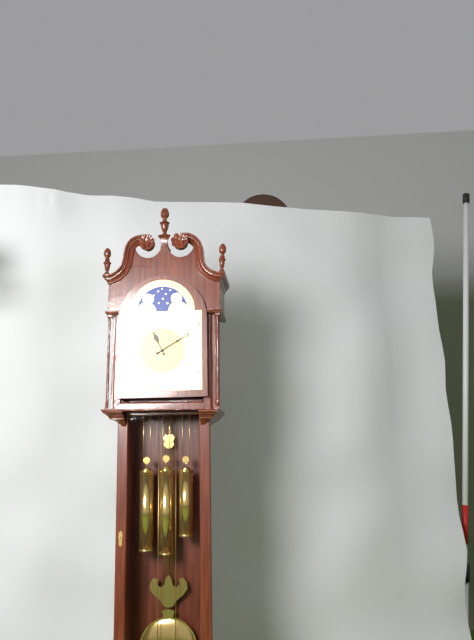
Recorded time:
{"hour": 11, "minute": 10}
